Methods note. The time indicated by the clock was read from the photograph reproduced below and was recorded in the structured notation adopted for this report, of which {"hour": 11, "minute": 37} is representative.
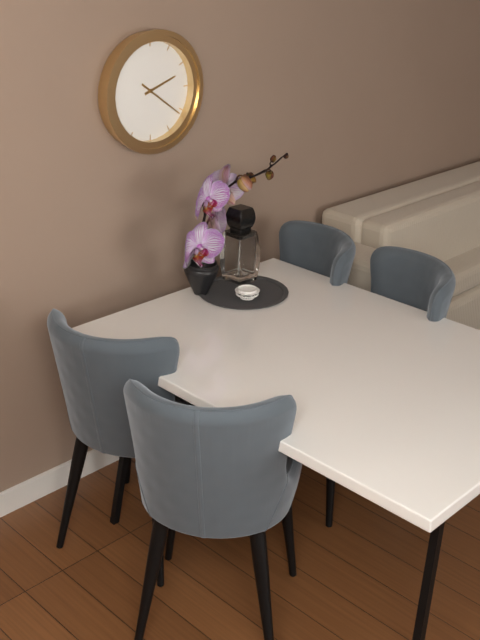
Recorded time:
{"hour": 2, "minute": 21}
